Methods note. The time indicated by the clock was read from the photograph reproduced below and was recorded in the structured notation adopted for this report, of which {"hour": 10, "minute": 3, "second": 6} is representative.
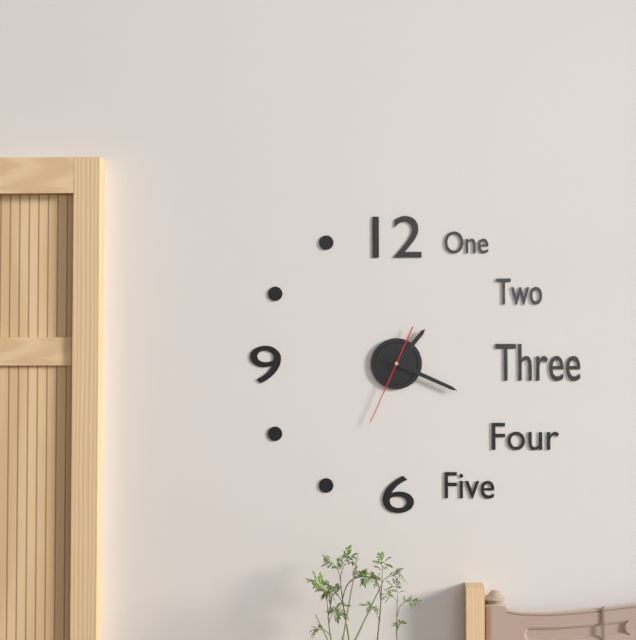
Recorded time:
{"hour": 1, "minute": 19, "second": 34}
